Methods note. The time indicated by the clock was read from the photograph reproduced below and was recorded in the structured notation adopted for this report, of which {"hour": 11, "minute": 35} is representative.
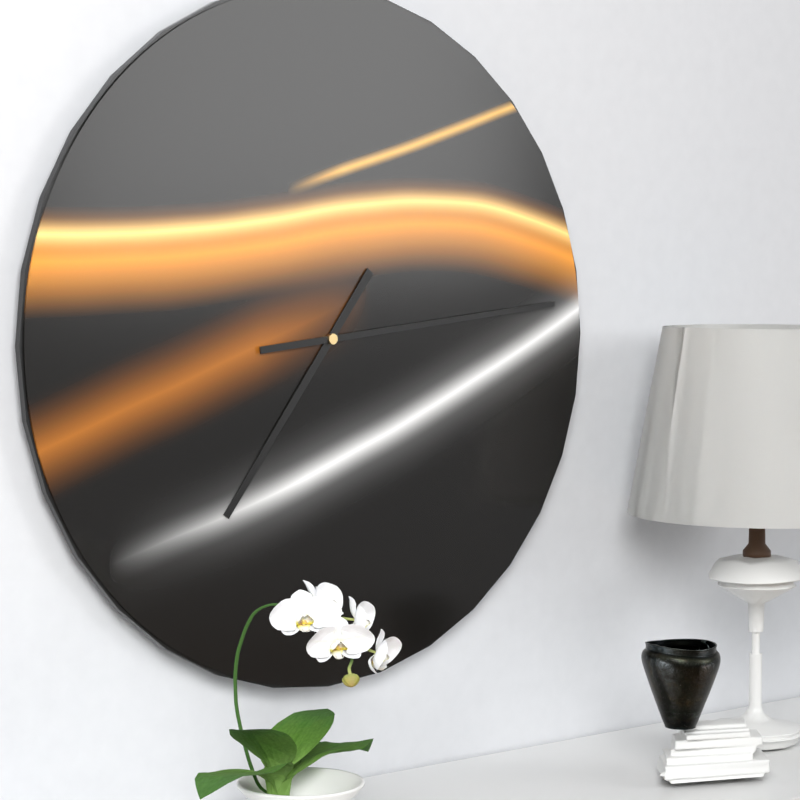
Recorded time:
{"hour": 7, "minute": 14}
